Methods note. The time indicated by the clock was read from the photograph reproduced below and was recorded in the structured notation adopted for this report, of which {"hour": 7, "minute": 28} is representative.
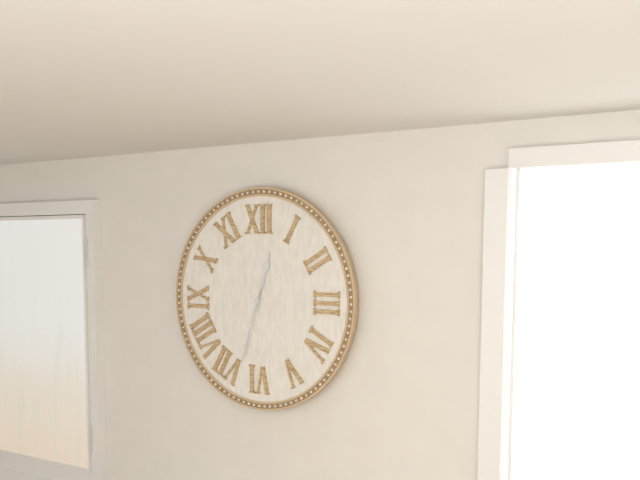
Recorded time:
{"hour": 12, "minute": 33}
